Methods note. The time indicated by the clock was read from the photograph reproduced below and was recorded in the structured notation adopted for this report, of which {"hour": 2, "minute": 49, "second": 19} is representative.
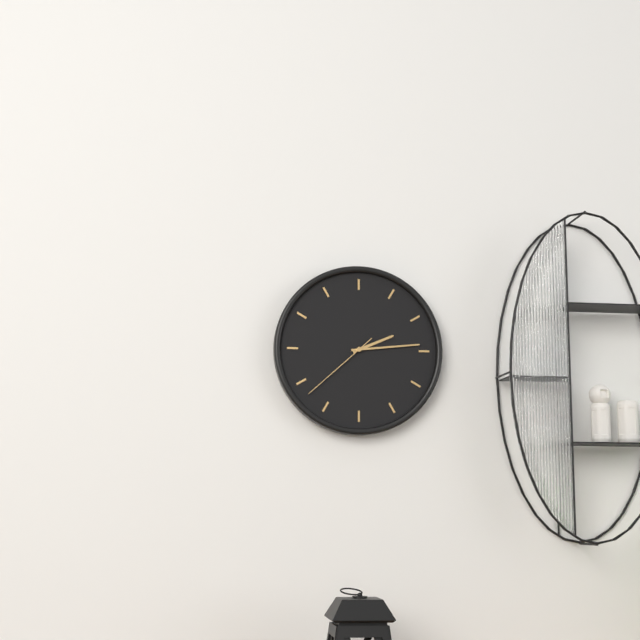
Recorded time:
{"hour": 2, "minute": 14, "second": 38}
